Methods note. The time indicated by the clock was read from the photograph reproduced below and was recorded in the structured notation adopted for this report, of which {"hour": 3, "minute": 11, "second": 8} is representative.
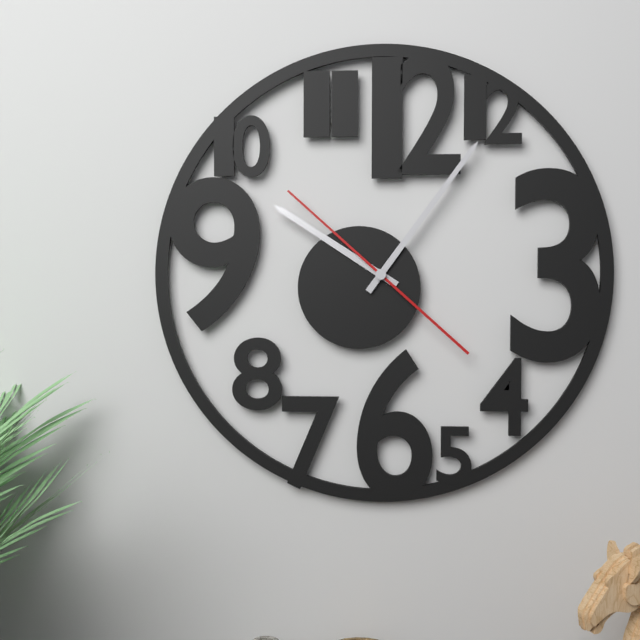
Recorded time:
{"hour": 10, "minute": 6, "second": 52}
